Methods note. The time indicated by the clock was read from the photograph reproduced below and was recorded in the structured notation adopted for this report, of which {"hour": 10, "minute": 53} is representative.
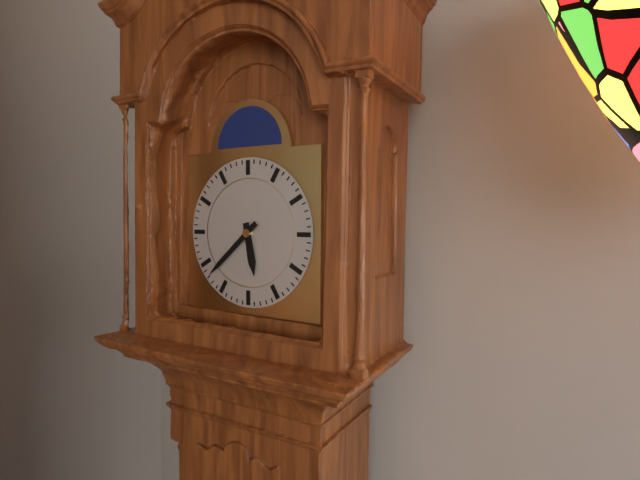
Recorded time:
{"hour": 5, "minute": 38}
